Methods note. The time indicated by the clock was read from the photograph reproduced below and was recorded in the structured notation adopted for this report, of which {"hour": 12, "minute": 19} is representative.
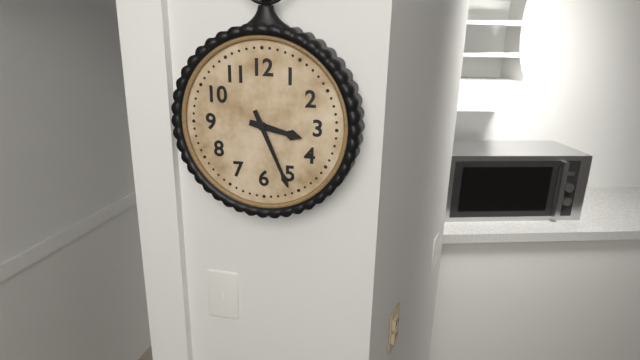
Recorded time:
{"hour": 3, "minute": 26}
